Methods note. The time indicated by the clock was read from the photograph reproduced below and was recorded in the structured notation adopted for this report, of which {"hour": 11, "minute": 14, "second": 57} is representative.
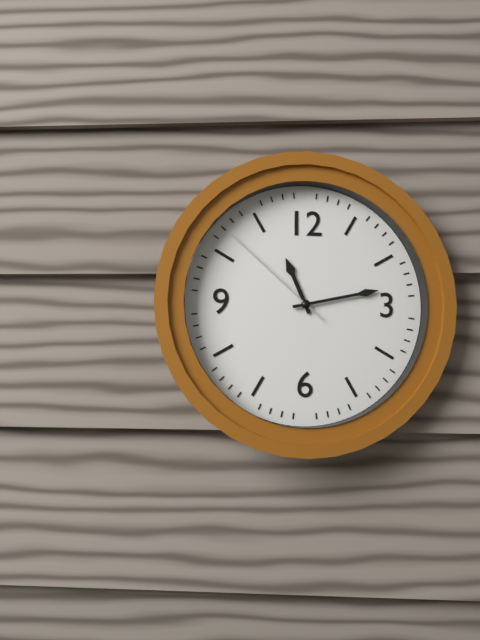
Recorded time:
{"hour": 11, "minute": 13, "second": 52}
